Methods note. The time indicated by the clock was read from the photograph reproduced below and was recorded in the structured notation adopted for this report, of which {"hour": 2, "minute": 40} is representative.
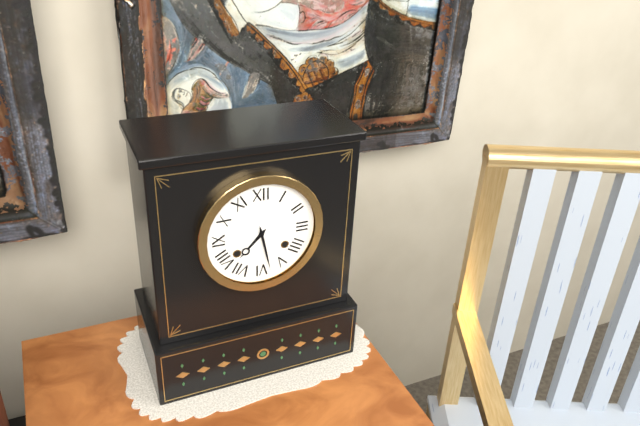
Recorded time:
{"hour": 7, "minute": 28}
